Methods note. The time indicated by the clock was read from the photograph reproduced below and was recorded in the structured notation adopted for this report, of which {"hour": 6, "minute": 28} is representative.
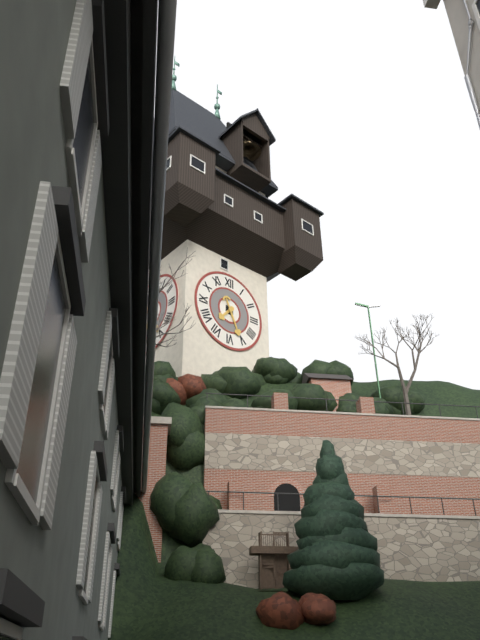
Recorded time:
{"hour": 7, "minute": 26}
